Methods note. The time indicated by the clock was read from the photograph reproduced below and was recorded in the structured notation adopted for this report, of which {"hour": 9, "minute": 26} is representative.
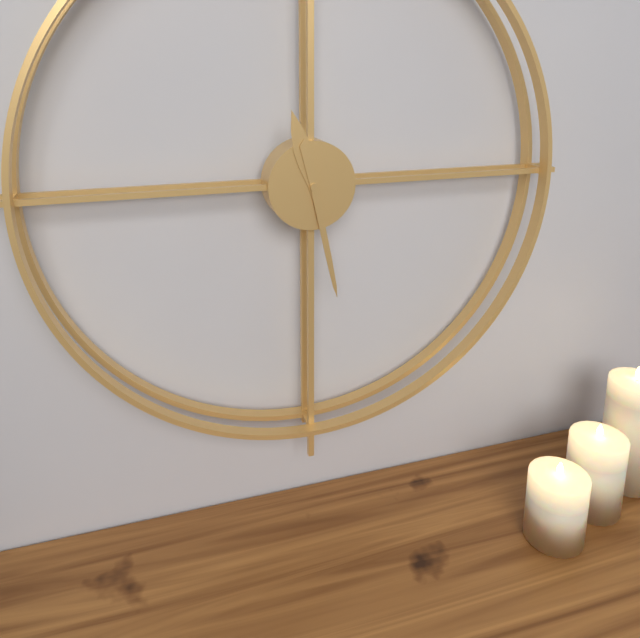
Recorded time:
{"hour": 11, "minute": 28}
